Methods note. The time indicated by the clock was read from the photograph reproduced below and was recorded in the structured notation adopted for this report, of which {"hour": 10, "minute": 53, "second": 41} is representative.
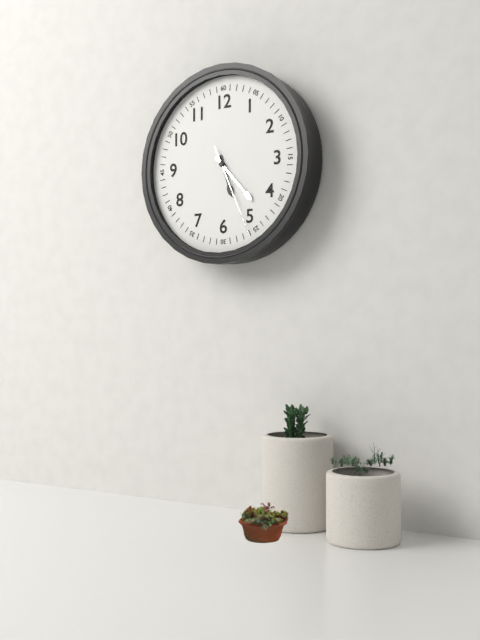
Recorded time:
{"hour": 5, "minute": 23, "second": 26}
